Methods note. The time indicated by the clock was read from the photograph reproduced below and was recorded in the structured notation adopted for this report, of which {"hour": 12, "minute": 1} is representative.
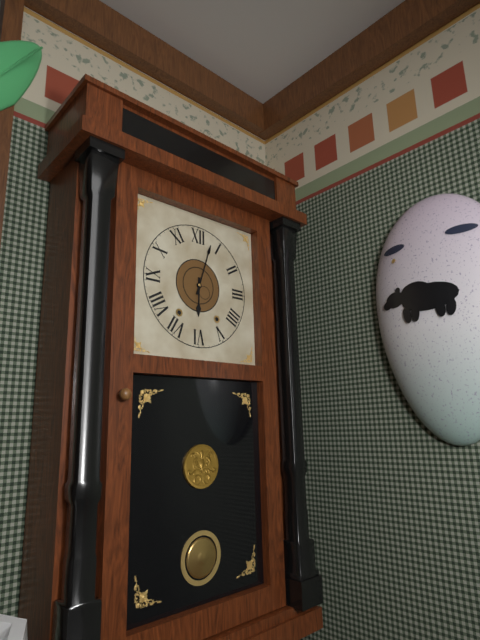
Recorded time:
{"hour": 6, "minute": 3}
